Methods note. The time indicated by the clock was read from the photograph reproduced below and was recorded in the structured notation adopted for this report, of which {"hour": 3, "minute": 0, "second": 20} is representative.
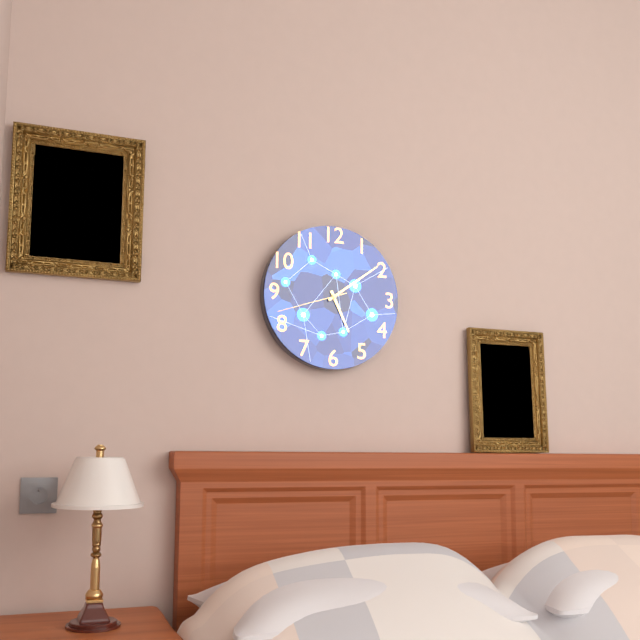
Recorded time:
{"hour": 5, "minute": 9, "second": 42}
